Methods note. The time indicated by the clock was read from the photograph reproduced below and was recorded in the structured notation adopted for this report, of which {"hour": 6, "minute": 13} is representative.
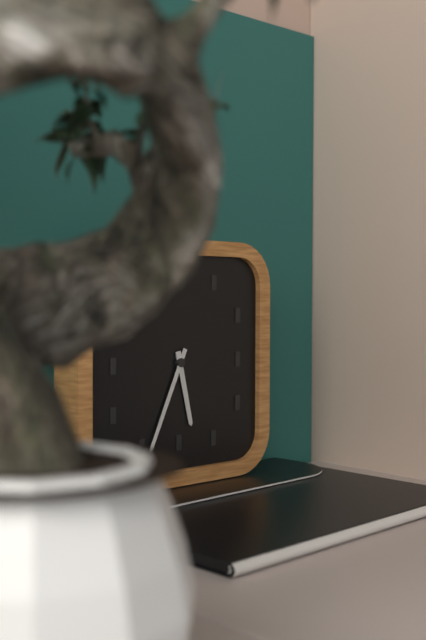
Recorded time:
{"hour": 5, "minute": 34}
